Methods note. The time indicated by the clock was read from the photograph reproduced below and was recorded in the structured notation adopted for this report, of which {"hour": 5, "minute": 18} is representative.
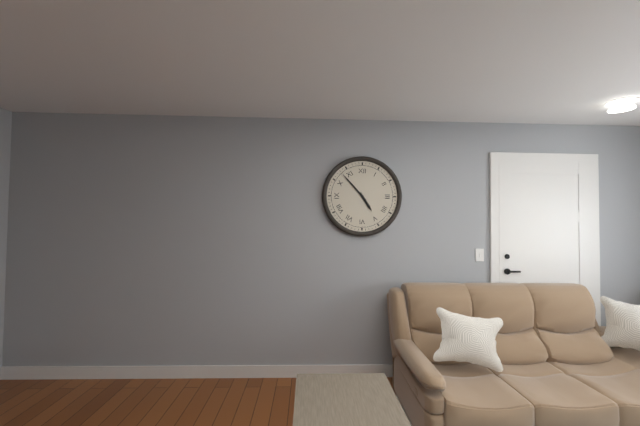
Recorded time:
{"hour": 4, "minute": 53}
